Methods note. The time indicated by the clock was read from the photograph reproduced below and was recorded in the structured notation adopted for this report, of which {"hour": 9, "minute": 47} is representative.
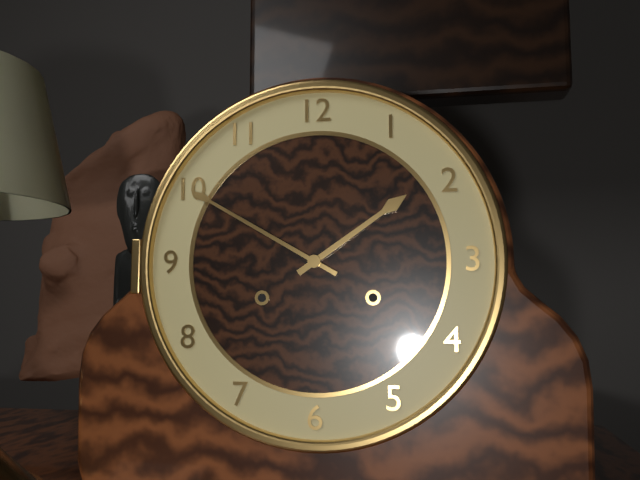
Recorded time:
{"hour": 1, "minute": 50}
